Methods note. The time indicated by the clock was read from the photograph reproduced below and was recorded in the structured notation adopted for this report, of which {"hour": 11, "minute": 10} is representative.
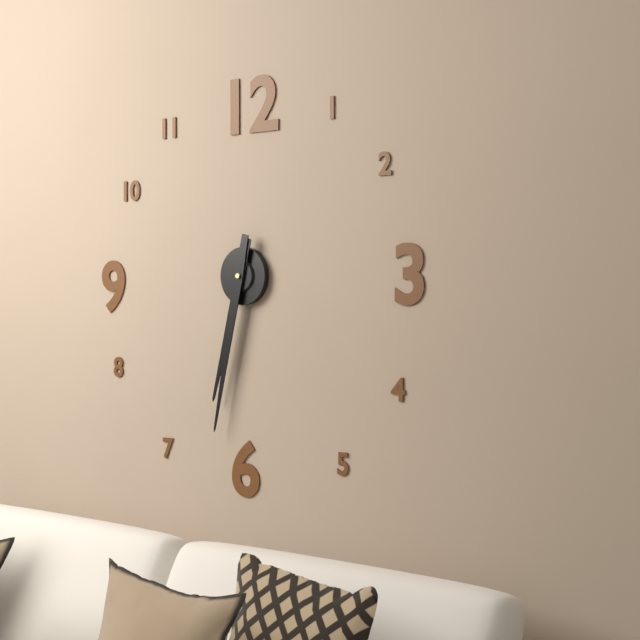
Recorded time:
{"hour": 6, "minute": 32}
